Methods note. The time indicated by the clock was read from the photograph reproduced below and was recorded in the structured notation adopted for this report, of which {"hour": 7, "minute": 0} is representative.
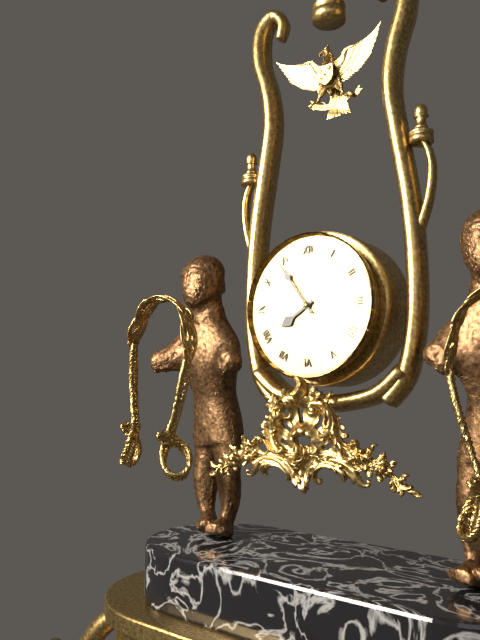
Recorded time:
{"hour": 7, "minute": 54}
